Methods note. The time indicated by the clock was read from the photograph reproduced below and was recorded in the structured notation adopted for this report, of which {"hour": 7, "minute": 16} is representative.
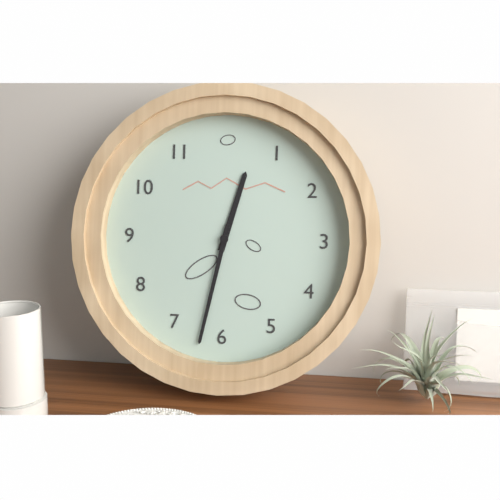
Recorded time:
{"hour": 12, "minute": 32}
